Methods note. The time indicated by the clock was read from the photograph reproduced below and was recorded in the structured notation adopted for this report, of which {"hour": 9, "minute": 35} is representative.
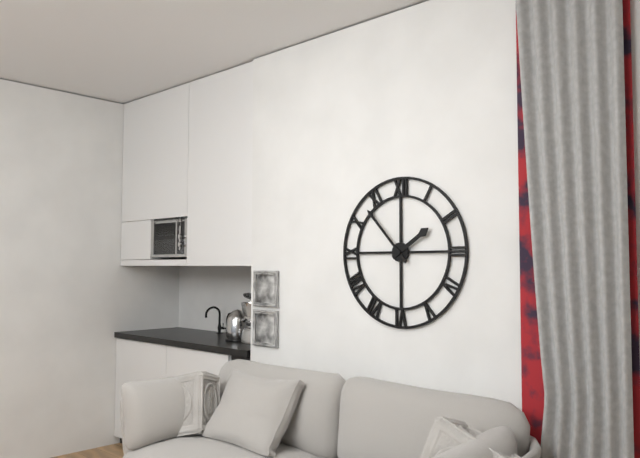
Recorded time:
{"hour": 1, "minute": 53}
